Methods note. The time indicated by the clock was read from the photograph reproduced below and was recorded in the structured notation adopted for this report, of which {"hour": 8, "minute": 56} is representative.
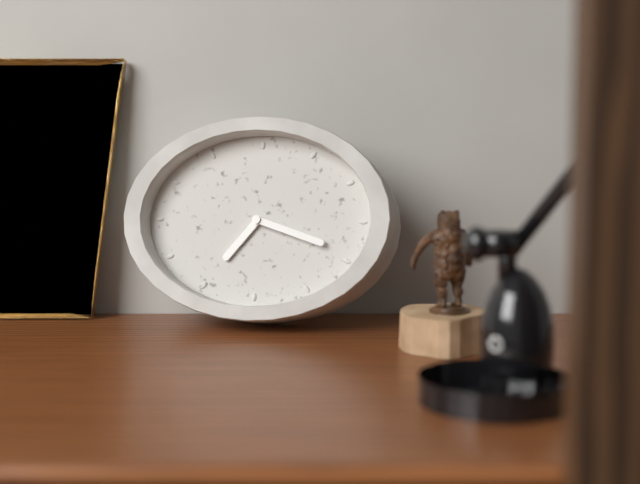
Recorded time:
{"hour": 7, "minute": 18}
